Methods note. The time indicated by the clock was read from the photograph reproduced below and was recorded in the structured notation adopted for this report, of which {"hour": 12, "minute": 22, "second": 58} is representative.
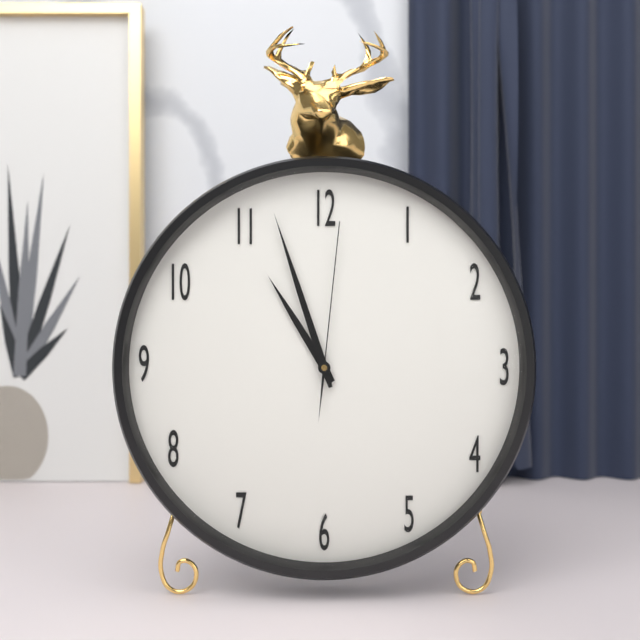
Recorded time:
{"hour": 10, "minute": 57, "second": 1}
